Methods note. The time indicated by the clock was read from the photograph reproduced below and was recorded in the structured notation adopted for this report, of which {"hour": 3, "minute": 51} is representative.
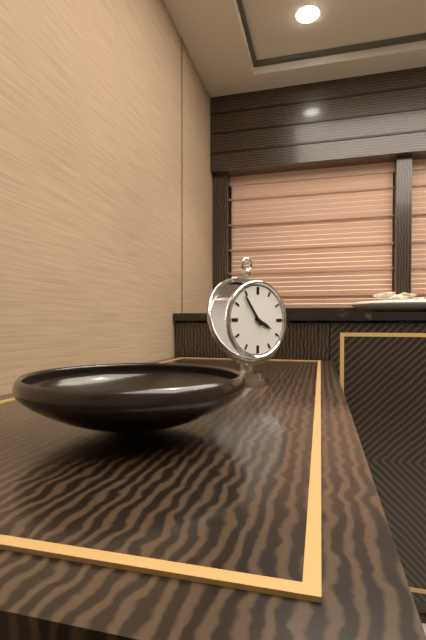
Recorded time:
{"hour": 3, "minute": 54}
